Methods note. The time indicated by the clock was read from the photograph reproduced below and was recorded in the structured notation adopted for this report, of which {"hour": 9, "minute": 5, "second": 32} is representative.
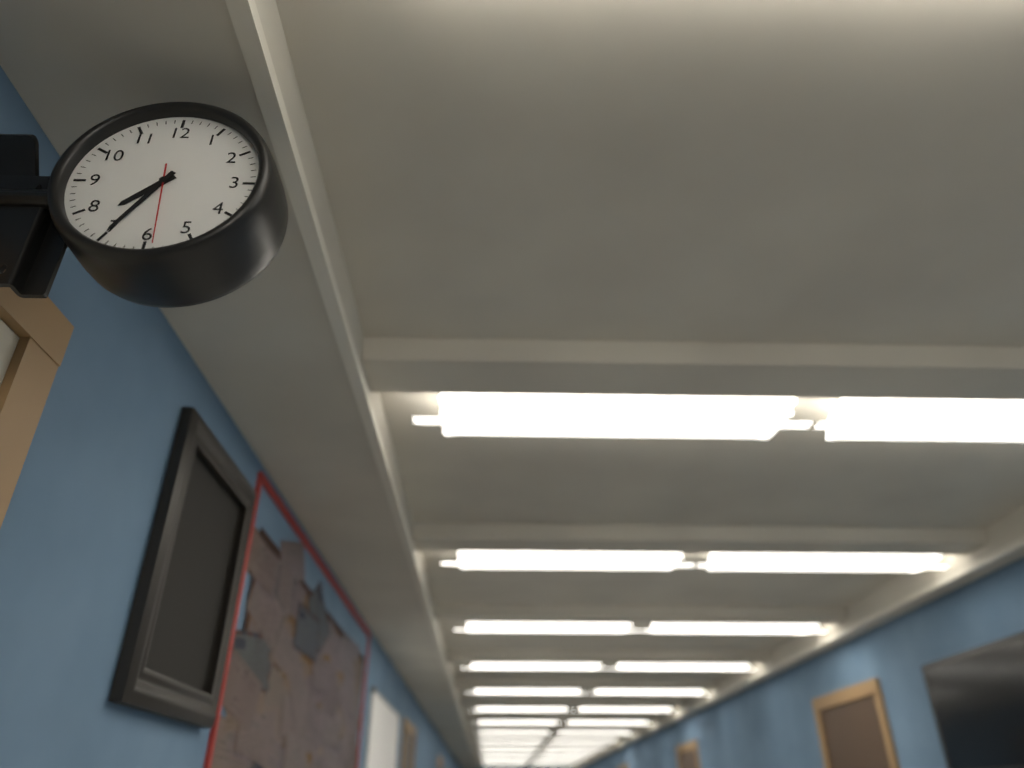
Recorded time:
{"hour": 7, "minute": 35, "second": 29}
